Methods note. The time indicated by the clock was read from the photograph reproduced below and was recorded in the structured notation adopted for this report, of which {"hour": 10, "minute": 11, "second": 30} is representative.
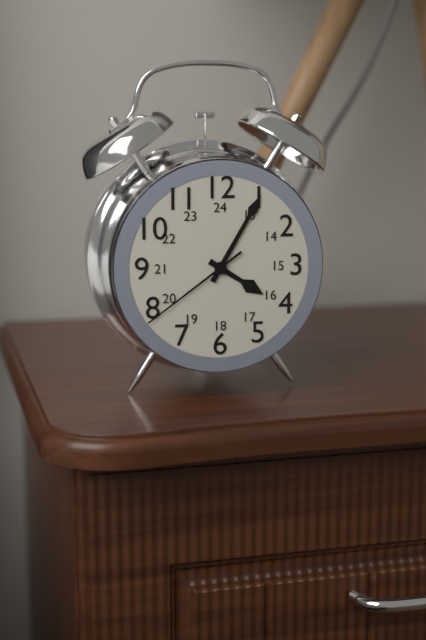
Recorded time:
{"hour": 4, "minute": 5, "second": 39}
